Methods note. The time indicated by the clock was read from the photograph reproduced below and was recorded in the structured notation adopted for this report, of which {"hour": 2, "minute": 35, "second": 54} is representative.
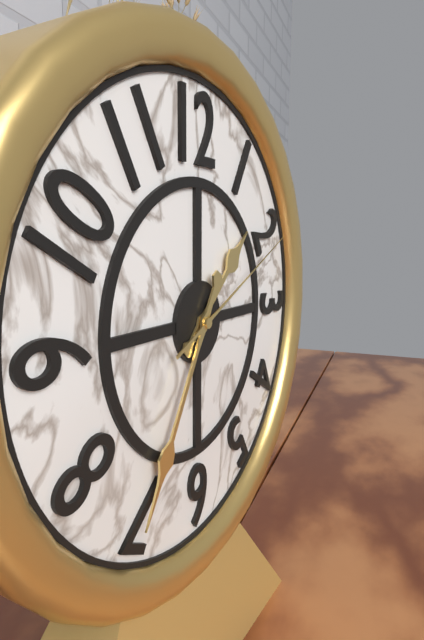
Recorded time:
{"hour": 1, "minute": 35, "second": 11}
